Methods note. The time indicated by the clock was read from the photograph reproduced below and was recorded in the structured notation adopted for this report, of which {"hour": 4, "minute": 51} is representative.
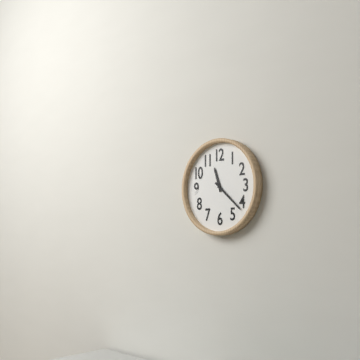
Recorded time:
{"hour": 11, "minute": 22}
